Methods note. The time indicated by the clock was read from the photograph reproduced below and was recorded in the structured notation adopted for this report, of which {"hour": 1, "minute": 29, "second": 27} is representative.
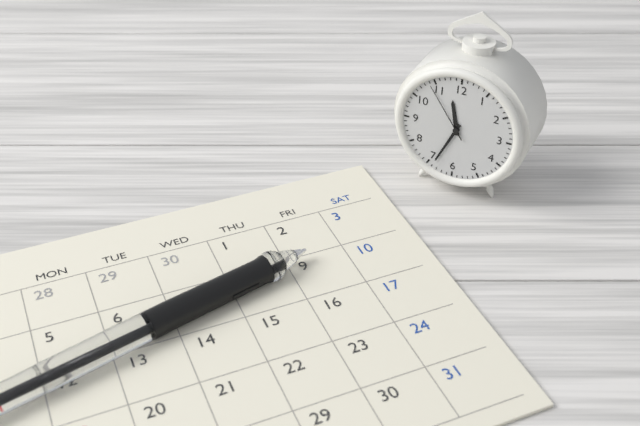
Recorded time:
{"hour": 11, "minute": 34, "second": 54}
